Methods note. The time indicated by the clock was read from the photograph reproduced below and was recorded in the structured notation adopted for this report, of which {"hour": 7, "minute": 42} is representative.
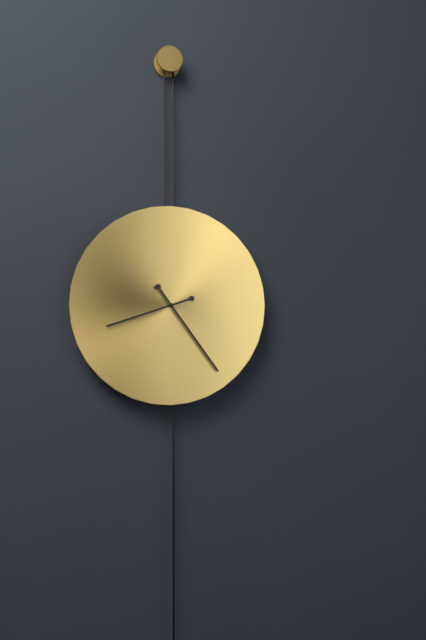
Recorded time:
{"hour": 8, "minute": 24}
